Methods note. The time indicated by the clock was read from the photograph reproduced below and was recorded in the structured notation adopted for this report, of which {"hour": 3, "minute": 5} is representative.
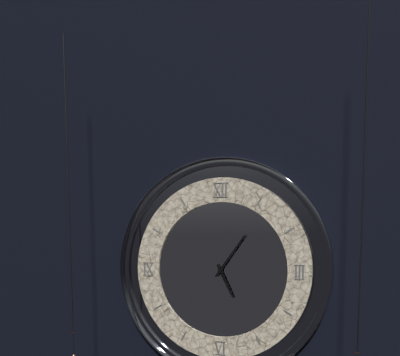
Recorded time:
{"hour": 5, "minute": 6}
